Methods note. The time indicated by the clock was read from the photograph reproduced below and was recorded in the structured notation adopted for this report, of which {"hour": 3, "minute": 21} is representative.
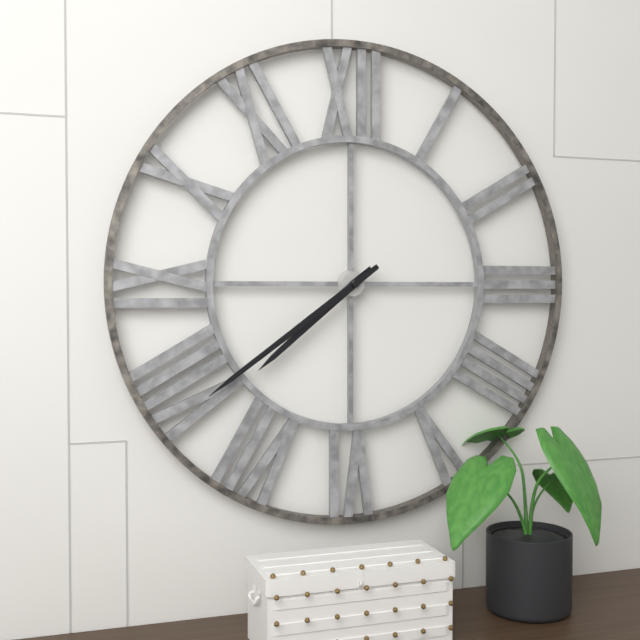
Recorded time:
{"hour": 7, "minute": 39}
